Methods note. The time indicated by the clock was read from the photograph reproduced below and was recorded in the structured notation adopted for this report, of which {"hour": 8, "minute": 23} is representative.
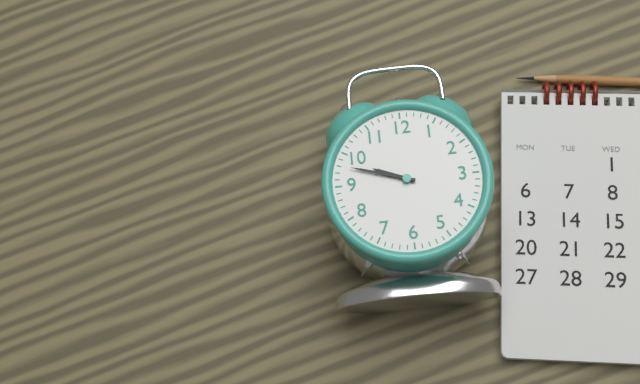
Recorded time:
{"hour": 9, "minute": 48}
